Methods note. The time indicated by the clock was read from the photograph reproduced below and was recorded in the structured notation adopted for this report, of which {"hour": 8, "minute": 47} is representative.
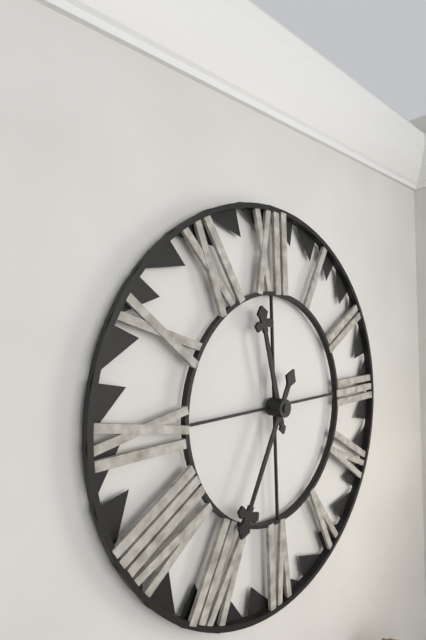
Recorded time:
{"hour": 11, "minute": 35}
